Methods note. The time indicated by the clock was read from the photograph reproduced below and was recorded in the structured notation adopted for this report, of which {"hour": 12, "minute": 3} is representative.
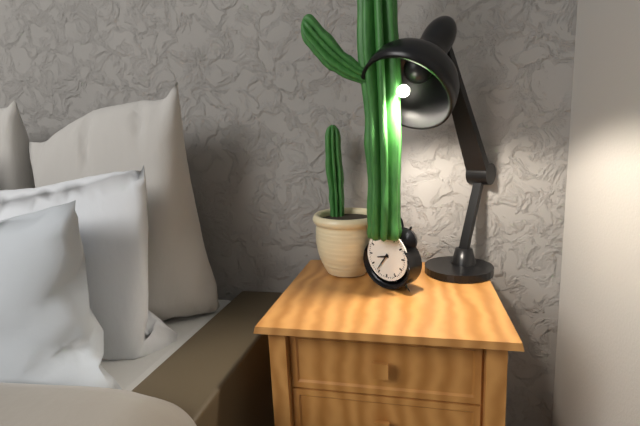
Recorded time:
{"hour": 8, "minute": 36}
